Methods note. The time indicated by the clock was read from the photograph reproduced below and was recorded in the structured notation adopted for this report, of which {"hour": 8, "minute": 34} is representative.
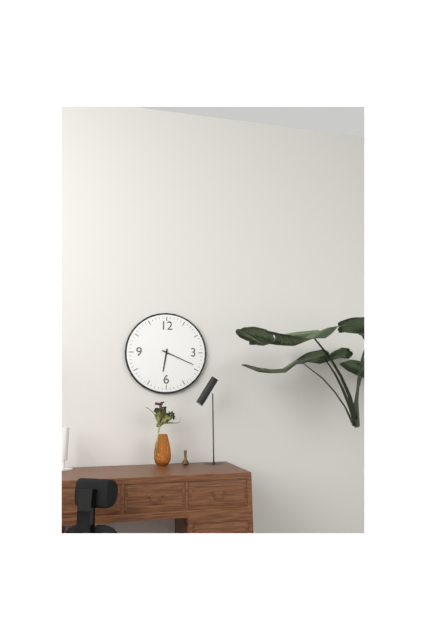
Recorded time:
{"hour": 6, "minute": 19}
